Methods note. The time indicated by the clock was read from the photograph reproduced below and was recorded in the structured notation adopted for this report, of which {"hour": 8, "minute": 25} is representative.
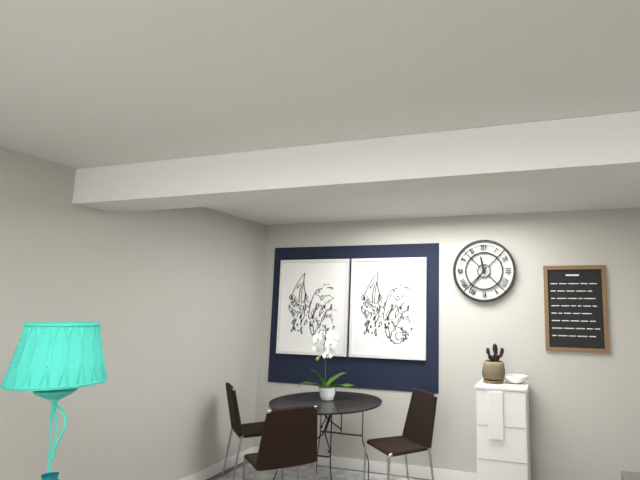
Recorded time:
{"hour": 11, "minute": 36}
